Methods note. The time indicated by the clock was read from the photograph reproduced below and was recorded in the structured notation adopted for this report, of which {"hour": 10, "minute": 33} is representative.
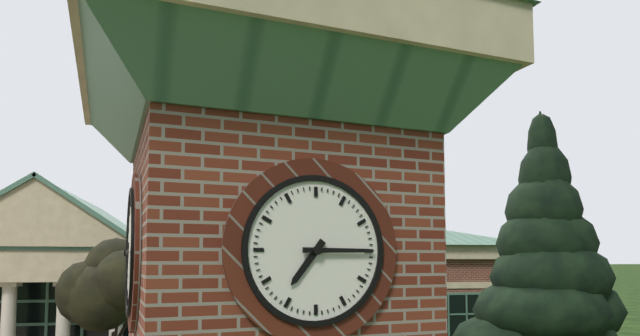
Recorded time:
{"hour": 7, "minute": 15}
